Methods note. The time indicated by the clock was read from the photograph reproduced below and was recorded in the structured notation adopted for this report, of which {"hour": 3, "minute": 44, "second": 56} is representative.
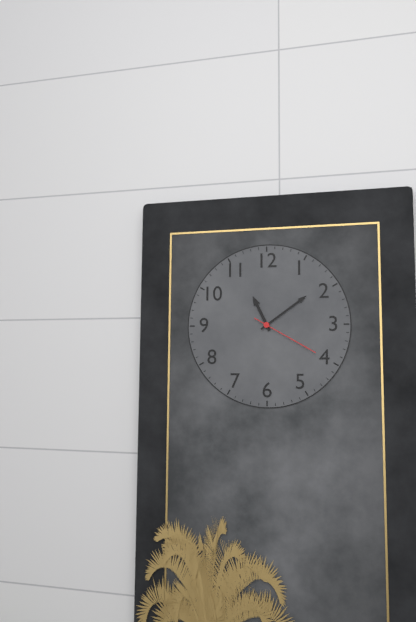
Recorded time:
{"hour": 11, "minute": 9, "second": 20}
